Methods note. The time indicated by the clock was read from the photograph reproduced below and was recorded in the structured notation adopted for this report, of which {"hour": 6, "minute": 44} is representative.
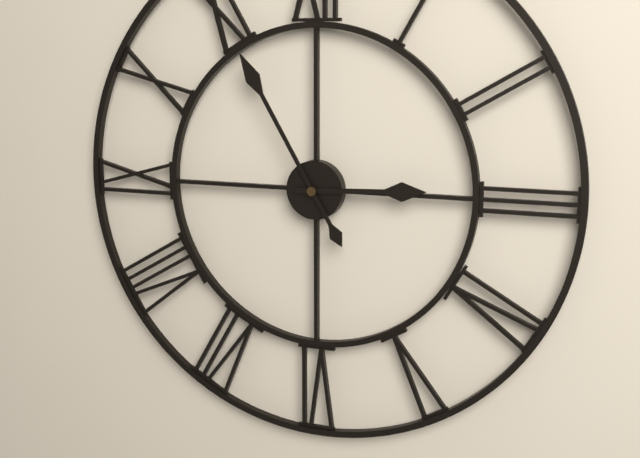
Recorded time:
{"hour": 2, "minute": 55}
